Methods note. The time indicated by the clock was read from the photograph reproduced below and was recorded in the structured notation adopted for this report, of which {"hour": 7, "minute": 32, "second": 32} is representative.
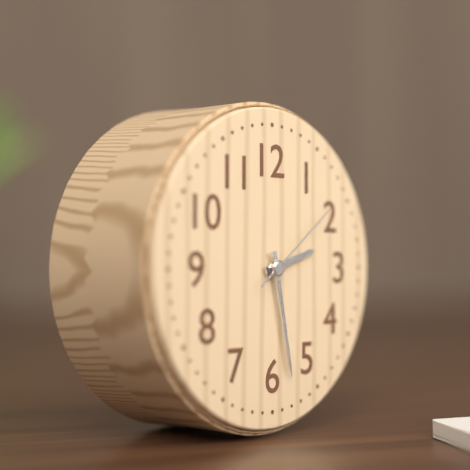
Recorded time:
{"hour": 2, "minute": 28, "second": 9}
